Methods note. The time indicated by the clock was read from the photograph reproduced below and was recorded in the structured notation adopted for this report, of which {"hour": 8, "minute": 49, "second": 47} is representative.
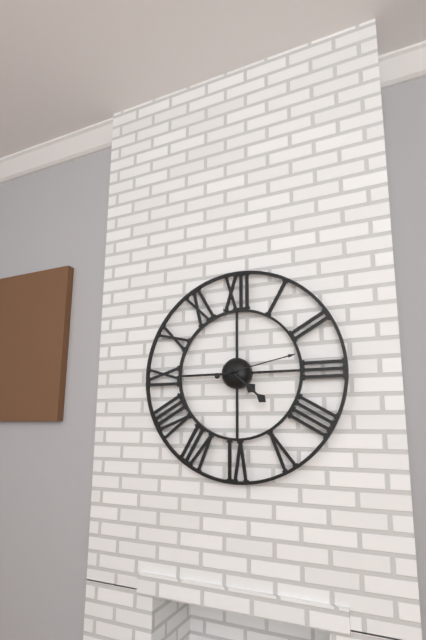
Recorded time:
{"hour": 4, "minute": 22, "second": 13}
